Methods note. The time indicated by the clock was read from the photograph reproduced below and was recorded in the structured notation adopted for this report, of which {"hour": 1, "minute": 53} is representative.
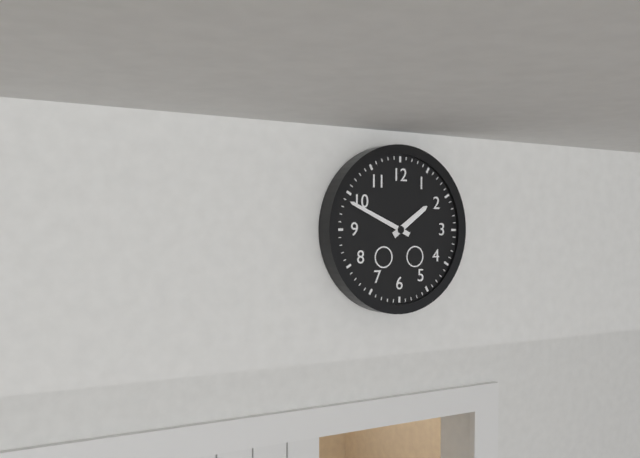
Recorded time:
{"hour": 1, "minute": 49}
